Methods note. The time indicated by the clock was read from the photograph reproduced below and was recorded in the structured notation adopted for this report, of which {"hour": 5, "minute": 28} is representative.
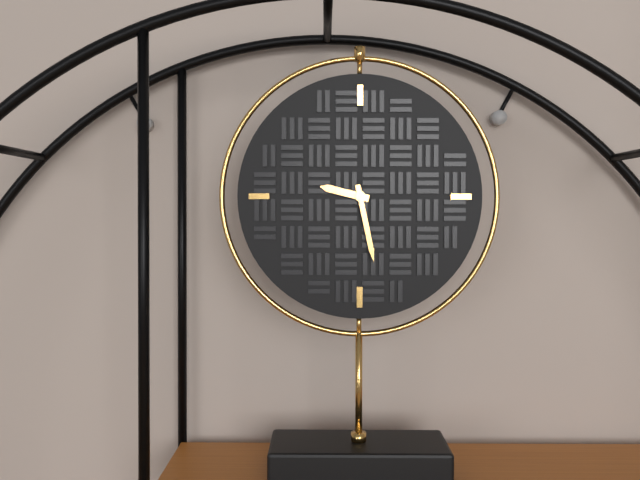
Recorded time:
{"hour": 9, "minute": 28}
